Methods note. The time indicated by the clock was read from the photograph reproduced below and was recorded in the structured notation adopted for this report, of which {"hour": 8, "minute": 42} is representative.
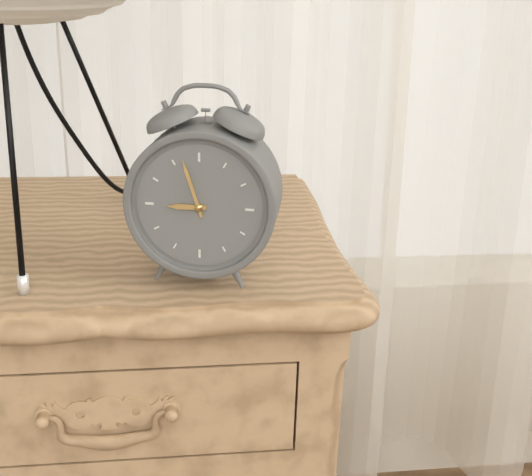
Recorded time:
{"hour": 8, "minute": 57}
